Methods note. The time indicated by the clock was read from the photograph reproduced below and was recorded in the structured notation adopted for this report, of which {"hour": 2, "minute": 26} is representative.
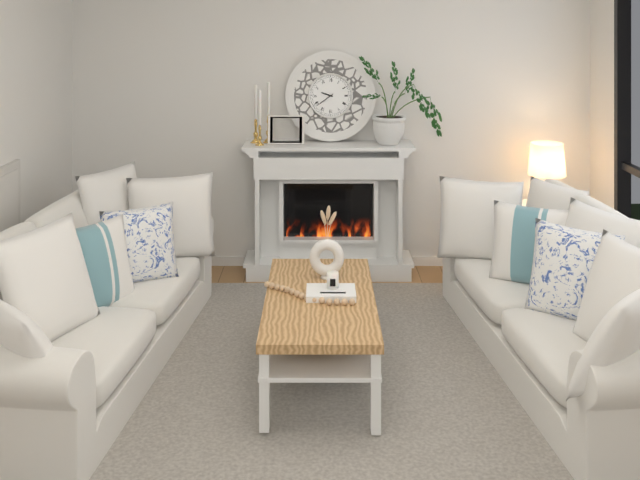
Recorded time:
{"hour": 9, "minute": 39}
